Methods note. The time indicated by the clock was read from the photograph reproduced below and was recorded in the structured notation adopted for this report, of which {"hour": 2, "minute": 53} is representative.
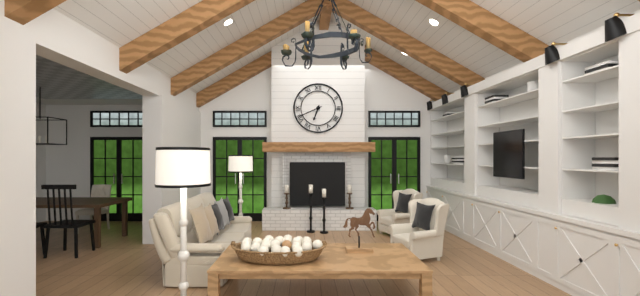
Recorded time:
{"hour": 6, "minute": 41}
